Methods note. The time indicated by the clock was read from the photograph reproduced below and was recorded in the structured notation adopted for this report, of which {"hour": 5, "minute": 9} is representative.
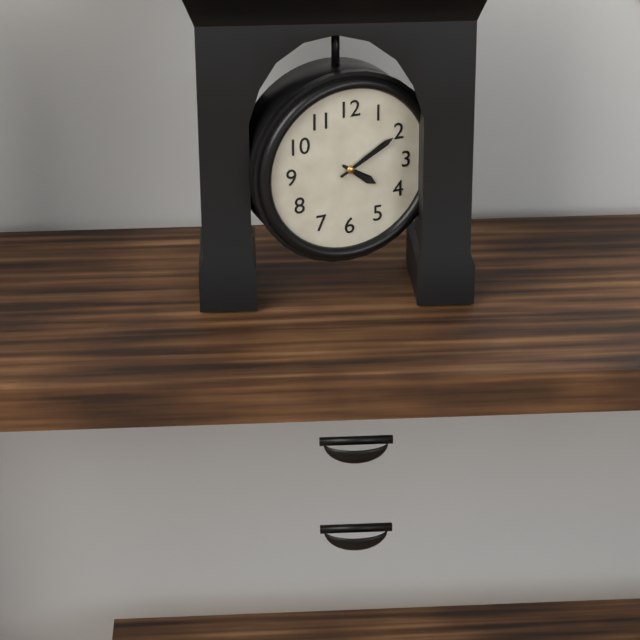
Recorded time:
{"hour": 4, "minute": 10}
